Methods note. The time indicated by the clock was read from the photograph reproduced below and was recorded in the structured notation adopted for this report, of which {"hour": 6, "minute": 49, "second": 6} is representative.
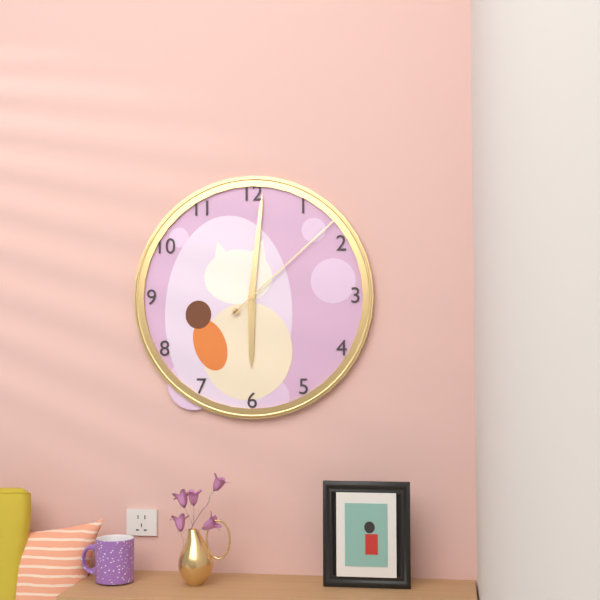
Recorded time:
{"hour": 6, "minute": 1, "second": 8}
